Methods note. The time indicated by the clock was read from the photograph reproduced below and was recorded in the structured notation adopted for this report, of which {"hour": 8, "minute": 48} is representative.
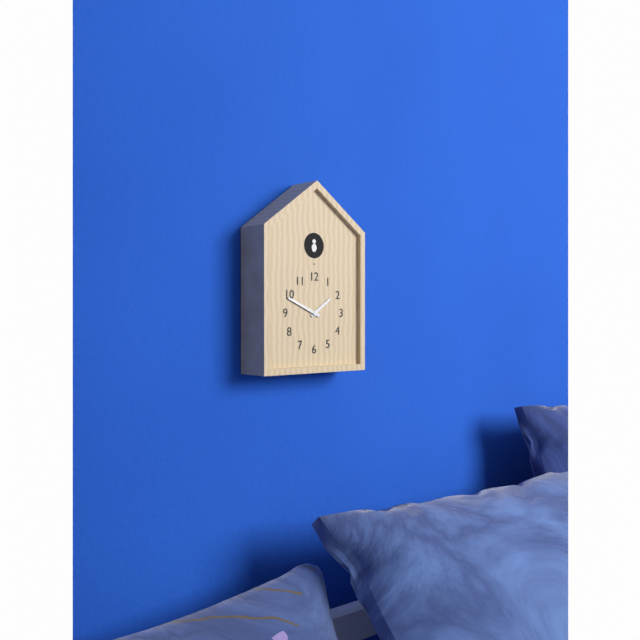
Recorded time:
{"hour": 1, "minute": 49}
